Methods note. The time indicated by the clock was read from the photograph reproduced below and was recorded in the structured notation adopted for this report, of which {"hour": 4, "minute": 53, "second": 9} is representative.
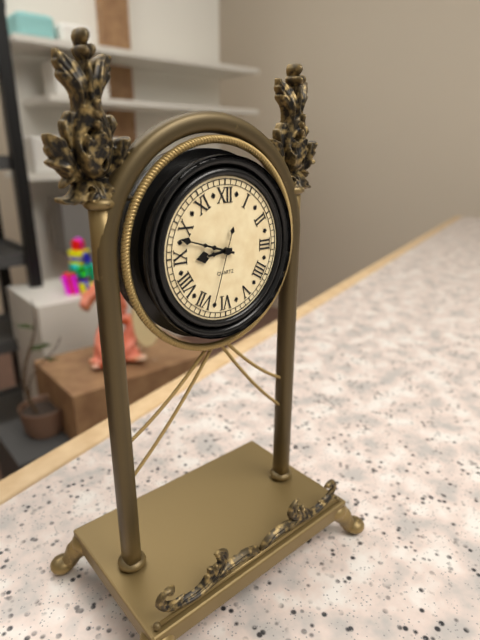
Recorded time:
{"hour": 8, "minute": 48, "second": 33}
